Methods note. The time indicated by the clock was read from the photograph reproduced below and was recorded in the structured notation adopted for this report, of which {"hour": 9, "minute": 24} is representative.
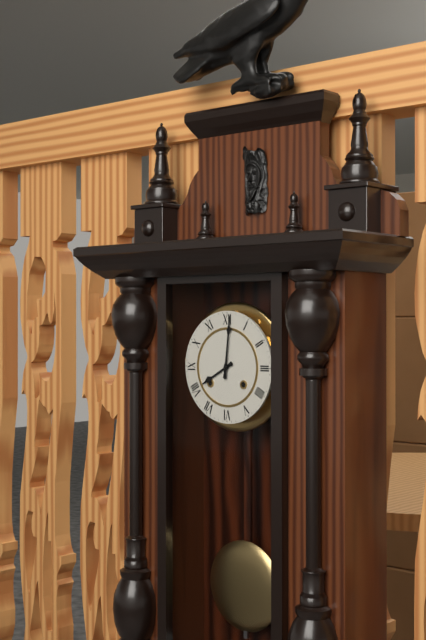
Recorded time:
{"hour": 8, "minute": 1}
